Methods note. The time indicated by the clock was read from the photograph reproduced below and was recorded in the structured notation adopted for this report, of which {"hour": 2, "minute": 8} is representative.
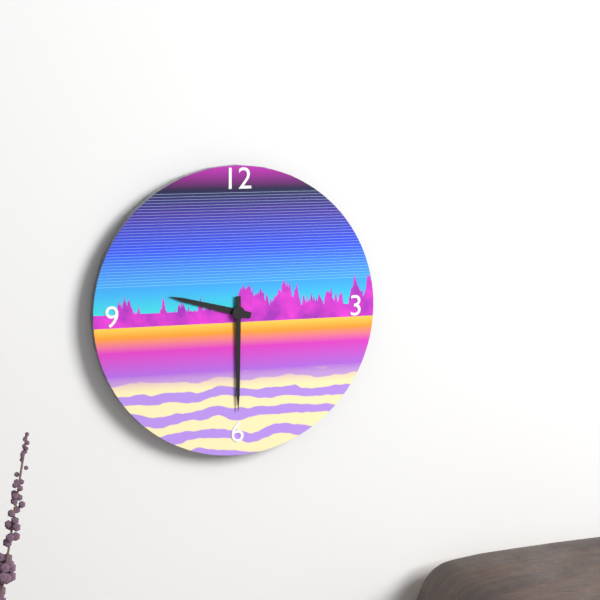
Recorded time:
{"hour": 9, "minute": 30}
